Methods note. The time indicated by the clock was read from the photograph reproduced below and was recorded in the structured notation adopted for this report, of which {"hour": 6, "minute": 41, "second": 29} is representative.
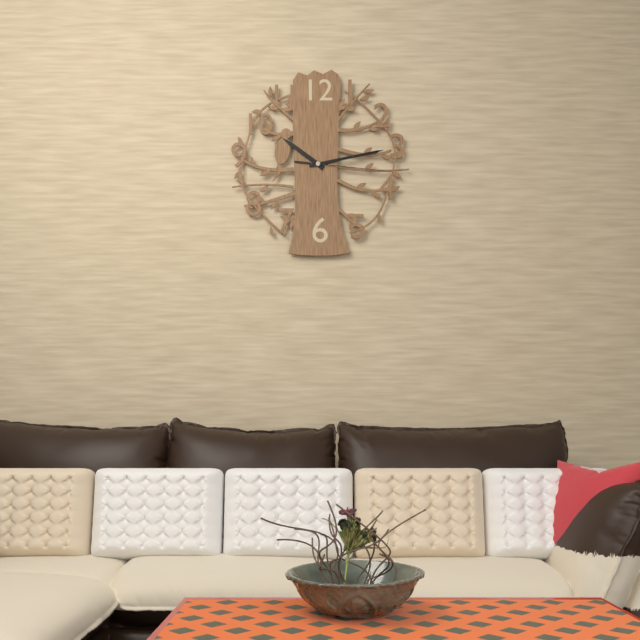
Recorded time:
{"hour": 10, "minute": 13, "second": 16}
